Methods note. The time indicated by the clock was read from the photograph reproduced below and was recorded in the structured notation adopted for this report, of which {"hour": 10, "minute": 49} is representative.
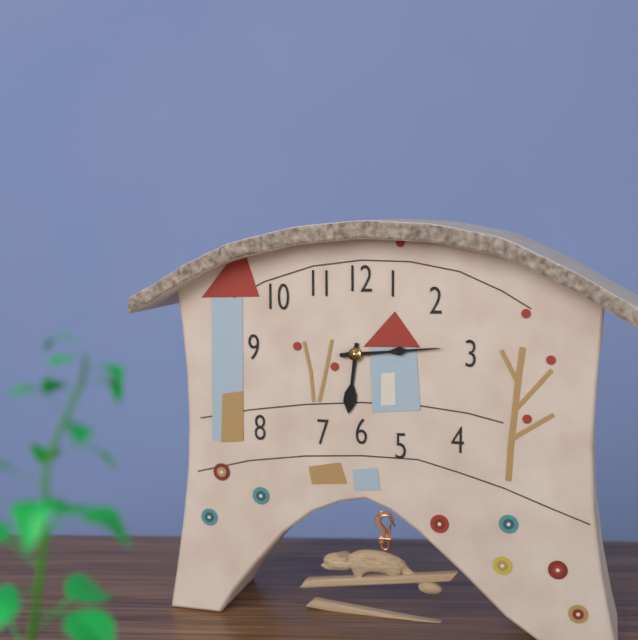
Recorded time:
{"hour": 6, "minute": 14}
